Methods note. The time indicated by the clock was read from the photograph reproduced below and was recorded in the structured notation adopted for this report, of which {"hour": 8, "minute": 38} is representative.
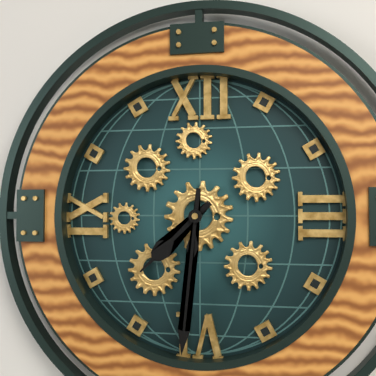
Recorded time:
{"hour": 7, "minute": 31}
